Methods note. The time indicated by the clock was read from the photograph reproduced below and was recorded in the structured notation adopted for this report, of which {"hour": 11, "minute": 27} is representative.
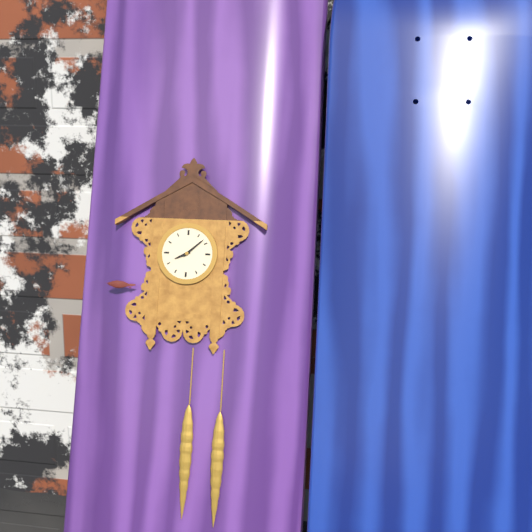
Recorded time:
{"hour": 8, "minute": 8}
